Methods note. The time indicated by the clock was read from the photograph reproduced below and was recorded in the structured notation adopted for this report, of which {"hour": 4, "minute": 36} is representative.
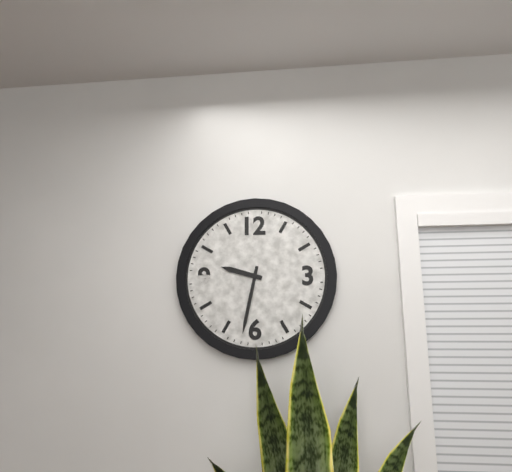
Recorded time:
{"hour": 9, "minute": 32}
